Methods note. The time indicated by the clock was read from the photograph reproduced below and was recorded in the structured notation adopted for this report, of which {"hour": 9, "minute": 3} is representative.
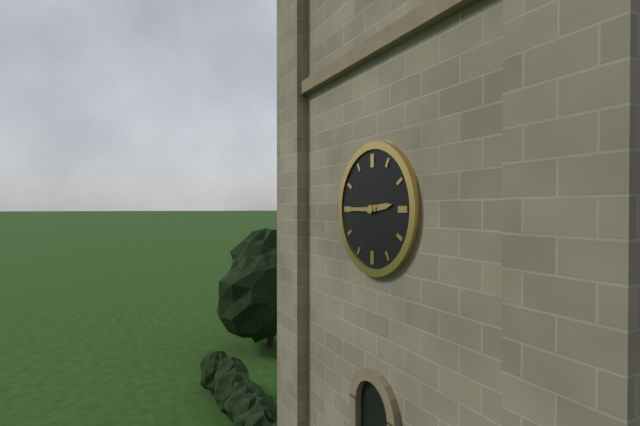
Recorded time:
{"hour": 2, "minute": 45}
